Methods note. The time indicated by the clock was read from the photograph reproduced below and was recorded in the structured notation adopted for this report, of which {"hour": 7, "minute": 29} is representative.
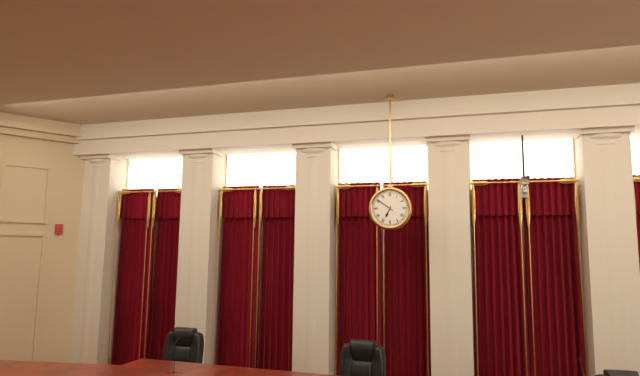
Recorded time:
{"hour": 6, "minute": 51}
